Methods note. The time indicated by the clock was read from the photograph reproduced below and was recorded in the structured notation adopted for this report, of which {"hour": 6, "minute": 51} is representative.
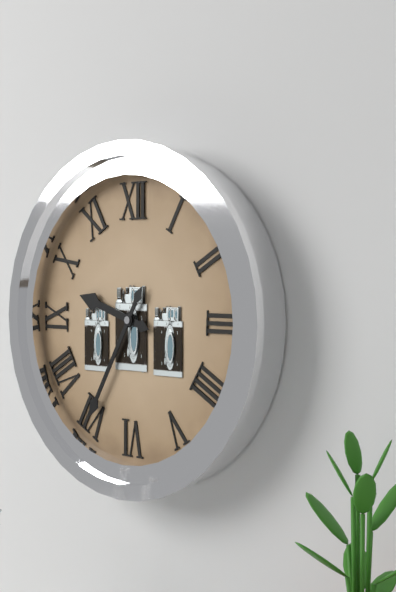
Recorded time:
{"hour": 9, "minute": 35}
